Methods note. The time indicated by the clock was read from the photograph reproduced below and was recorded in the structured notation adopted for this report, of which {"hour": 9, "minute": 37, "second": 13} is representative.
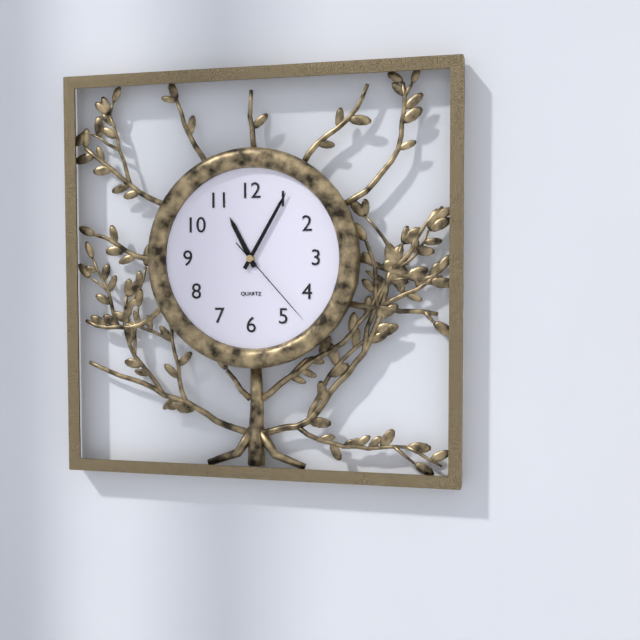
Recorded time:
{"hour": 11, "minute": 5, "second": 23}
